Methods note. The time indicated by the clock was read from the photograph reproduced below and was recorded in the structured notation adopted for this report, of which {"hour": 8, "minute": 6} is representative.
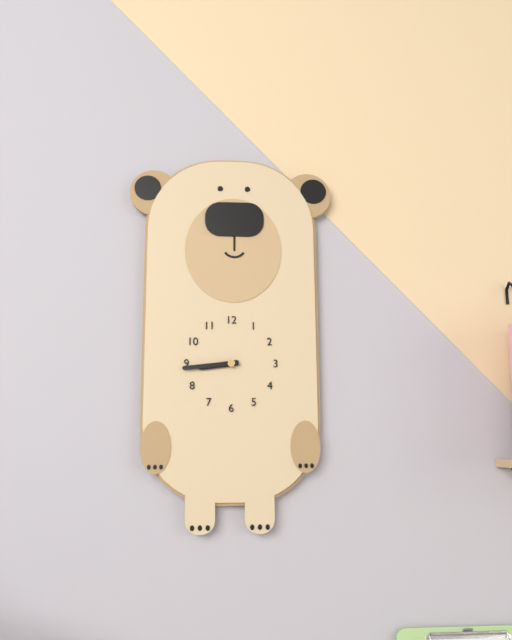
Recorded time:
{"hour": 8, "minute": 44}
